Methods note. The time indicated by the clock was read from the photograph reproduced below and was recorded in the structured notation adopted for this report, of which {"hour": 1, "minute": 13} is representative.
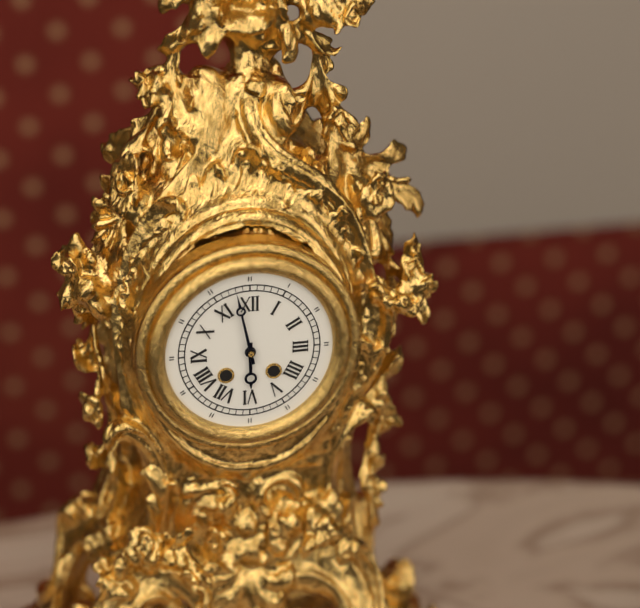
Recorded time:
{"hour": 5, "minute": 58}
